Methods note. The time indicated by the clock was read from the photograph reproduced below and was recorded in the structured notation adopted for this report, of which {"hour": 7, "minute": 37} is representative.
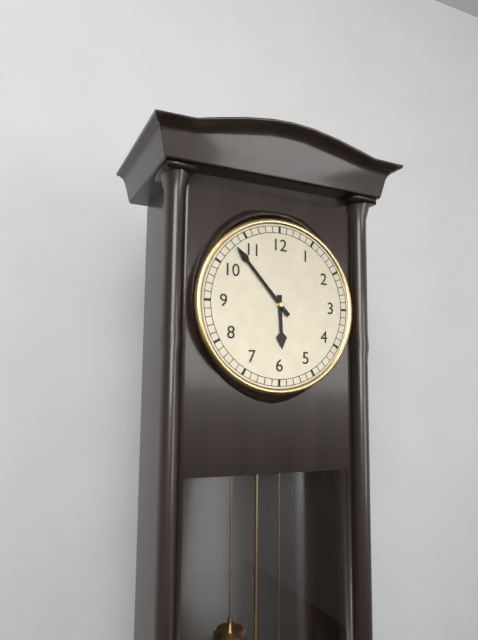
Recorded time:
{"hour": 5, "minute": 53}
